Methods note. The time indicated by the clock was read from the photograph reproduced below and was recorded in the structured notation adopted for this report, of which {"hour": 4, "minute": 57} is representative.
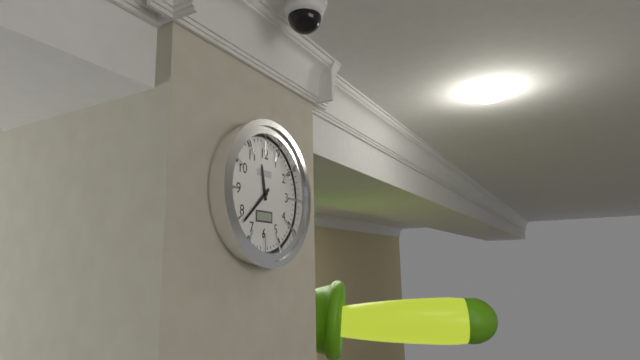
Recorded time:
{"hour": 11, "minute": 38}
